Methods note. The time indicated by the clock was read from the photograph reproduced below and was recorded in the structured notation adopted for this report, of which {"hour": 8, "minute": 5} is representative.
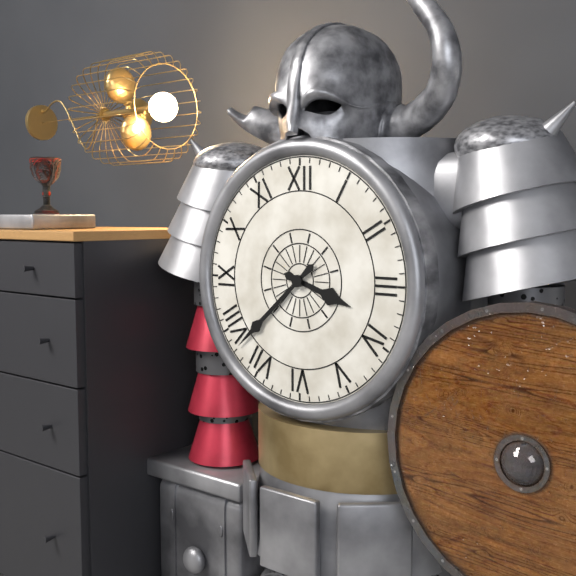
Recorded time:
{"hour": 3, "minute": 38}
